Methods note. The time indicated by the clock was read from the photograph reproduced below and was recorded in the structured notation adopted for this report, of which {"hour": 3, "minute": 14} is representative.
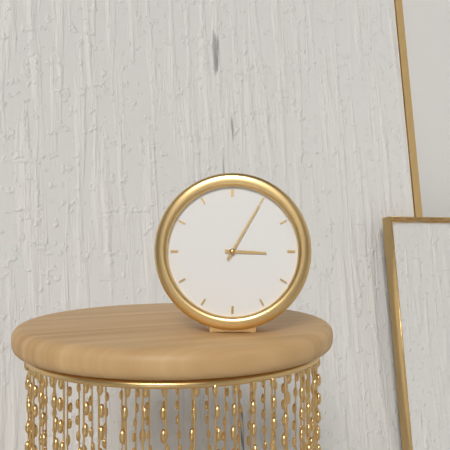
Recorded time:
{"hour": 3, "minute": 5}
